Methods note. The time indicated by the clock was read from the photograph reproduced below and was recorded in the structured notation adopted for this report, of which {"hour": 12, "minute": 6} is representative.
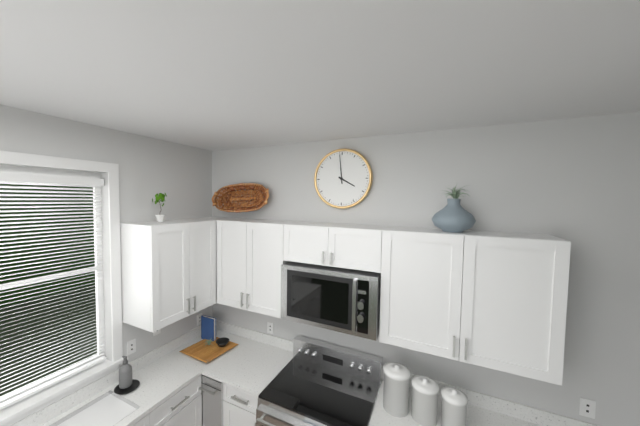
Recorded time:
{"hour": 3, "minute": 59}
